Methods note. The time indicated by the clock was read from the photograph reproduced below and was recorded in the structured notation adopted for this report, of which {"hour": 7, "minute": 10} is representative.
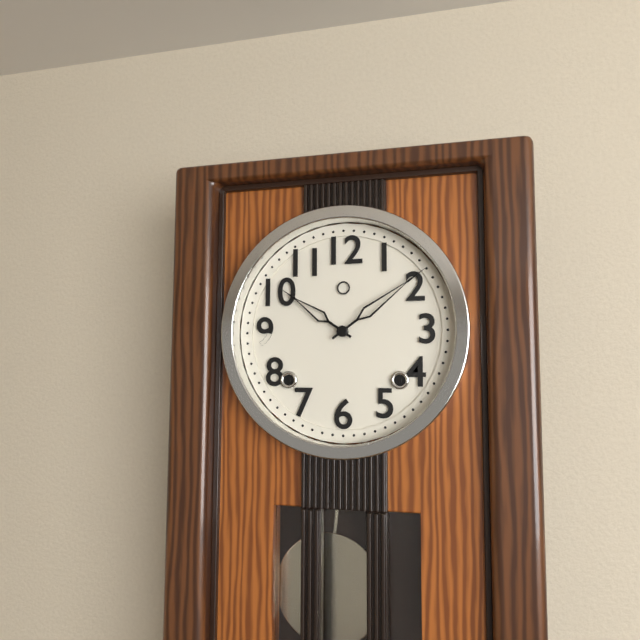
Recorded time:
{"hour": 10, "minute": 9}
